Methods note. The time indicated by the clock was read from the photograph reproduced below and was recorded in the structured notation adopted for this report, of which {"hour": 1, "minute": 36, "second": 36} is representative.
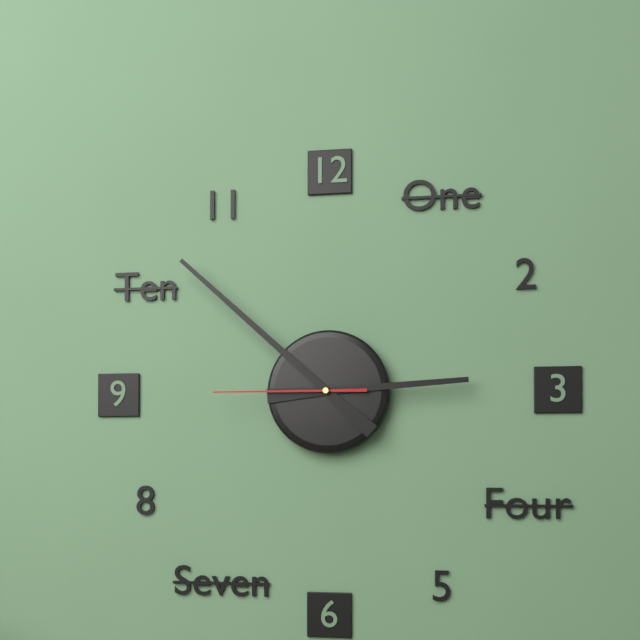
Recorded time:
{"hour": 2, "minute": 52, "second": 45}
